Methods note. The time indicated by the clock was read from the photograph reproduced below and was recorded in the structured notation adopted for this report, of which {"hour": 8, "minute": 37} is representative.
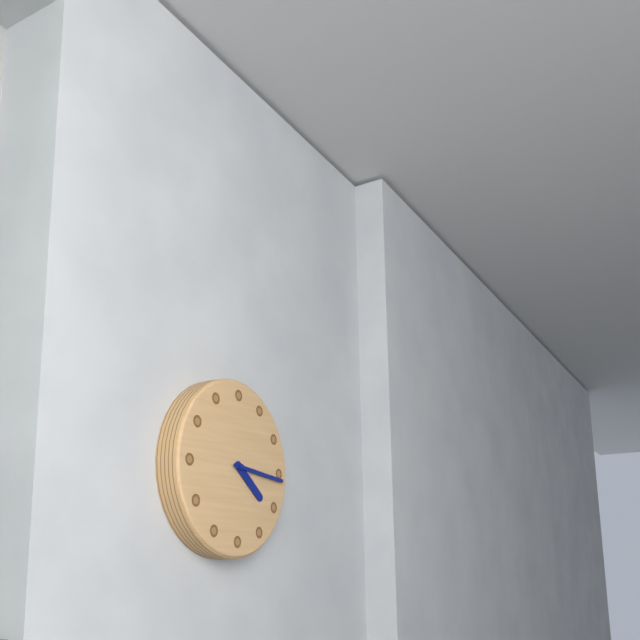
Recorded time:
{"hour": 4, "minute": 16}
